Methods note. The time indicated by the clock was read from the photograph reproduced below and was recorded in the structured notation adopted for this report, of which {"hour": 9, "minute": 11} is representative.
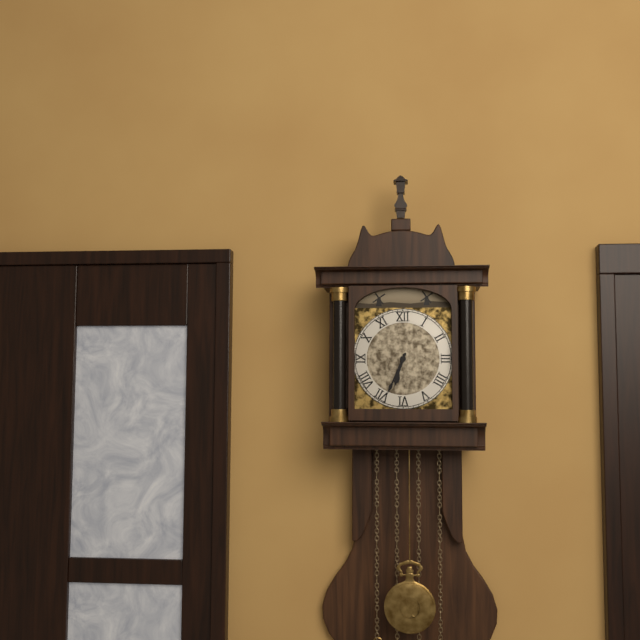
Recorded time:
{"hour": 6, "minute": 34}
